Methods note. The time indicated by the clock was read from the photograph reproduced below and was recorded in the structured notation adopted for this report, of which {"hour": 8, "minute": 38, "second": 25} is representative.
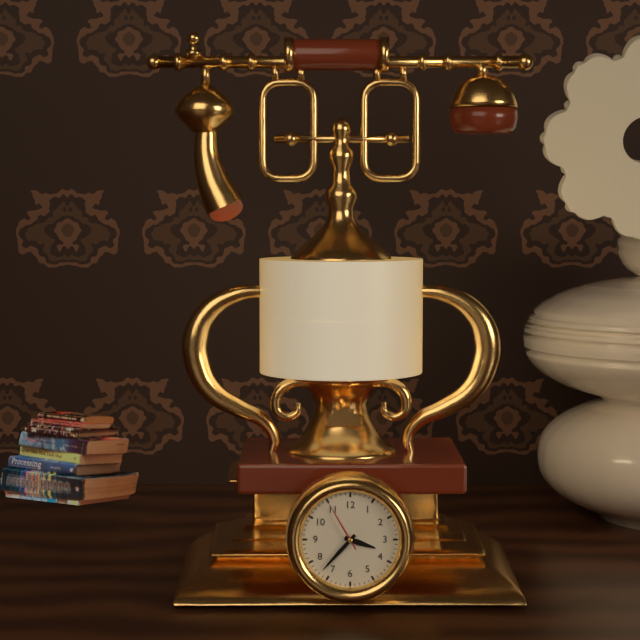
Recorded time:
{"hour": 3, "minute": 37, "second": 55}
